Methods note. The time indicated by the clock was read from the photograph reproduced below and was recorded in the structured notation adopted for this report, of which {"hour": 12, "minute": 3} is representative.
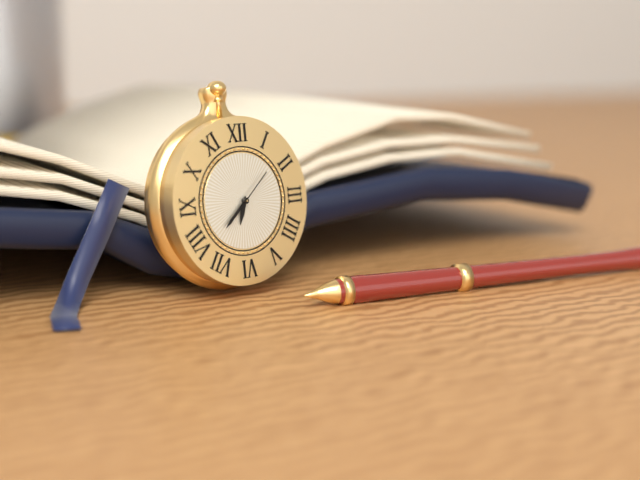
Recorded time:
{"hour": 6, "minute": 38}
